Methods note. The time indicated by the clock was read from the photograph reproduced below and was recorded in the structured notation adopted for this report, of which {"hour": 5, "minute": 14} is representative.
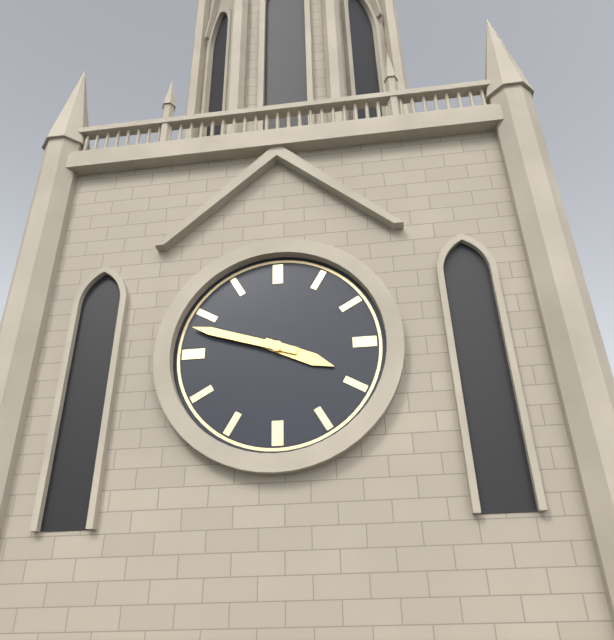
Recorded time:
{"hour": 3, "minute": 48}
